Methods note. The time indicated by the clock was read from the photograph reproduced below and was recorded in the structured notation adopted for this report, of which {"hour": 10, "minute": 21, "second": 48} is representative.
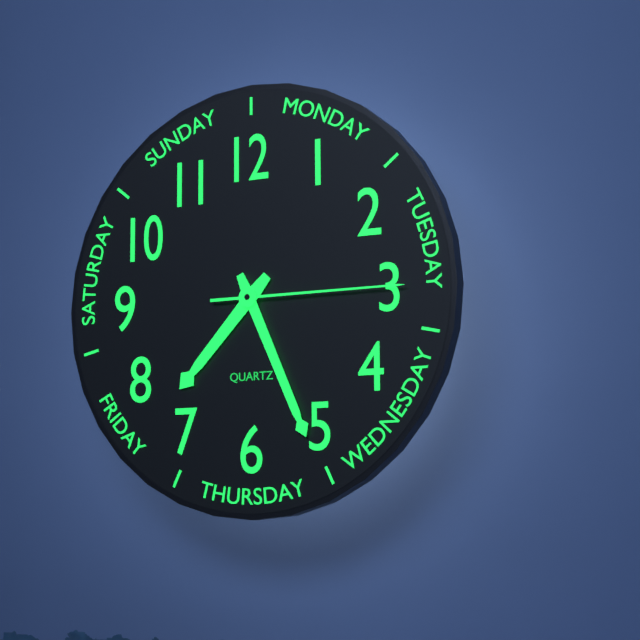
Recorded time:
{"hour": 7, "minute": 26, "second": 15}
